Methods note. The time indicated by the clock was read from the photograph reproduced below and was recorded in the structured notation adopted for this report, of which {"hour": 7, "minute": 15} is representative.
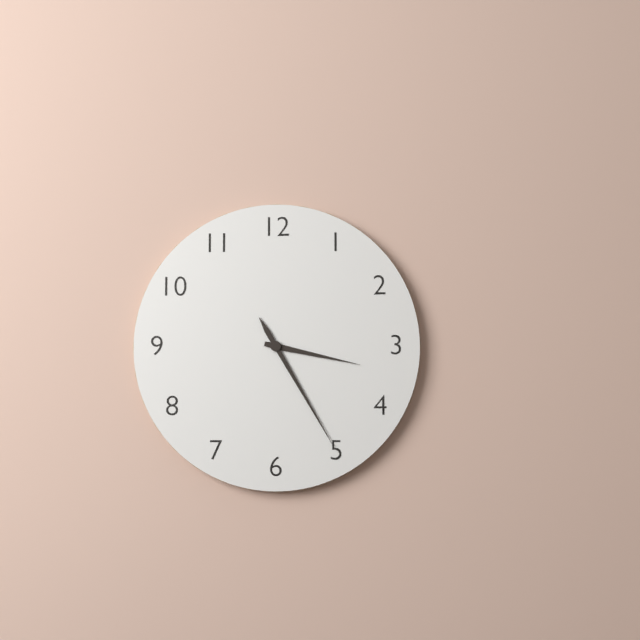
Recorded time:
{"hour": 3, "minute": 25}
